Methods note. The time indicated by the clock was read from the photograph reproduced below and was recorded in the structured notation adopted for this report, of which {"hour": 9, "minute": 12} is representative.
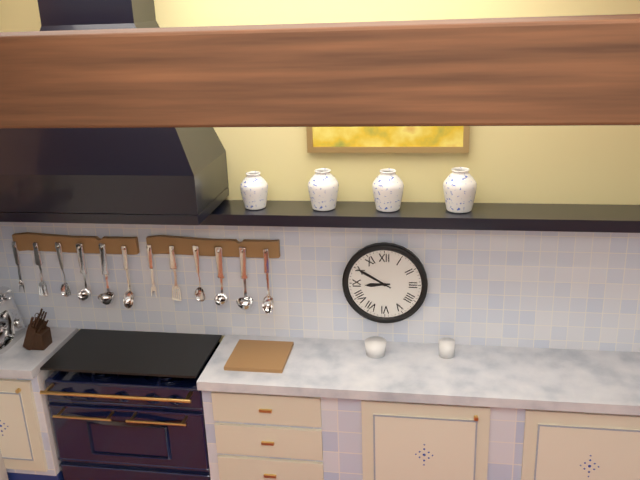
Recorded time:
{"hour": 8, "minute": 50}
